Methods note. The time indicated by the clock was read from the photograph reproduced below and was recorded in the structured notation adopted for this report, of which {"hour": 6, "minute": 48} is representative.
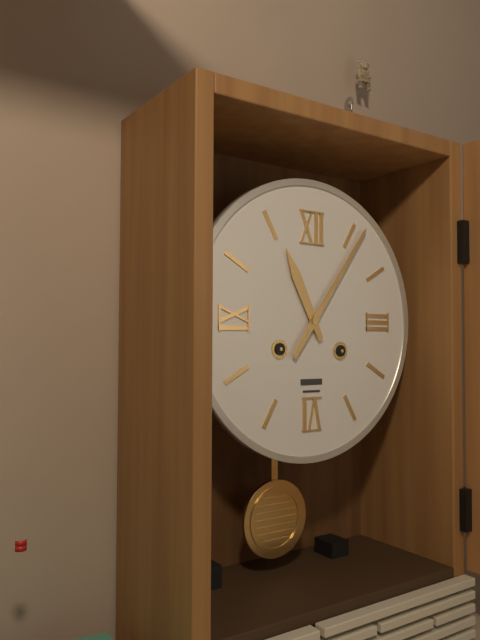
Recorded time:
{"hour": 11, "minute": 6}
